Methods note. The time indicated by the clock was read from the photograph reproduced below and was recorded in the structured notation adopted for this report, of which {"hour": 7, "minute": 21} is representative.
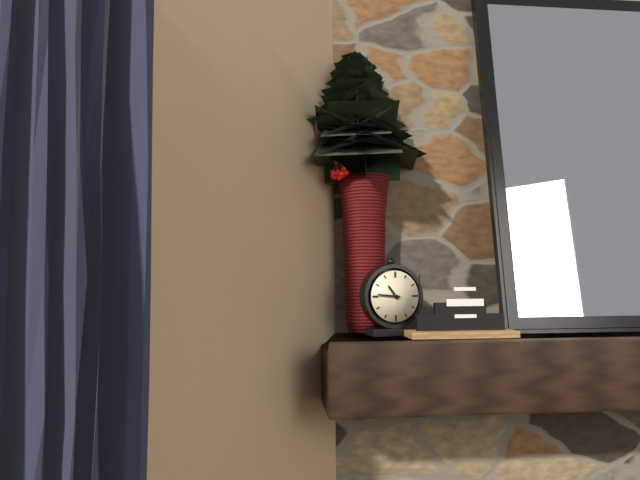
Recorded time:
{"hour": 10, "minute": 46}
